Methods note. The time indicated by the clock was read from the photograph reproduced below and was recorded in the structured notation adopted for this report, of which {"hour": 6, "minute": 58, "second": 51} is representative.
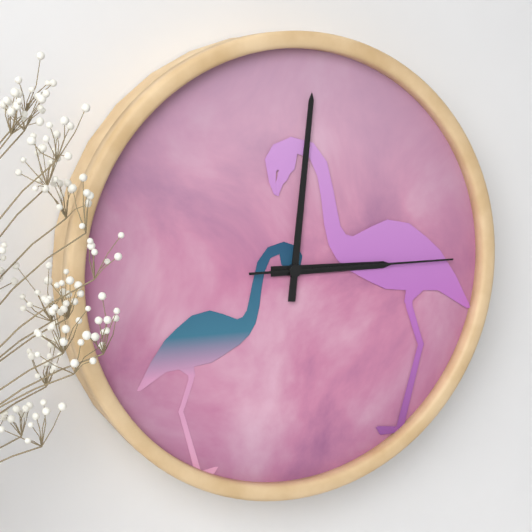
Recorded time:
{"hour": 3, "minute": 1, "second": 15}
